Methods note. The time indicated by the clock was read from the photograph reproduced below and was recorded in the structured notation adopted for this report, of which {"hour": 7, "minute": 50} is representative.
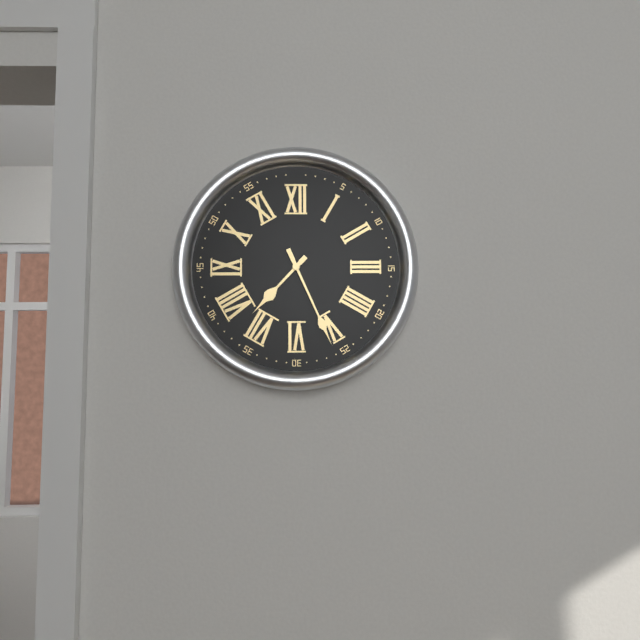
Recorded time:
{"hour": 7, "minute": 26}
